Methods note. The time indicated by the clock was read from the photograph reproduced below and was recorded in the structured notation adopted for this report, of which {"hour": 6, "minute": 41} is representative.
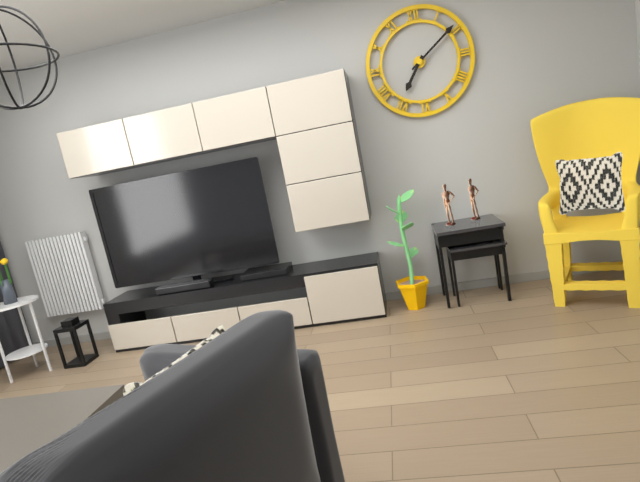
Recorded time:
{"hour": 7, "minute": 9}
